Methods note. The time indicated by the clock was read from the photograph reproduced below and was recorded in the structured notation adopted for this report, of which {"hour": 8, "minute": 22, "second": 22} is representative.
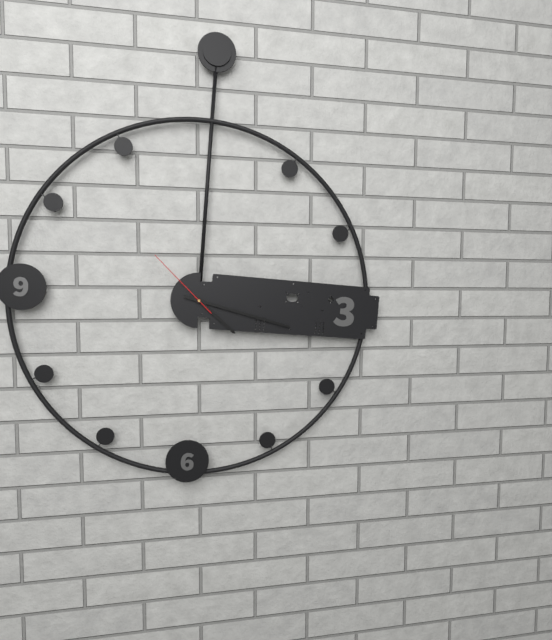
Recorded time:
{"hour": 4, "minute": 17, "second": 52}
